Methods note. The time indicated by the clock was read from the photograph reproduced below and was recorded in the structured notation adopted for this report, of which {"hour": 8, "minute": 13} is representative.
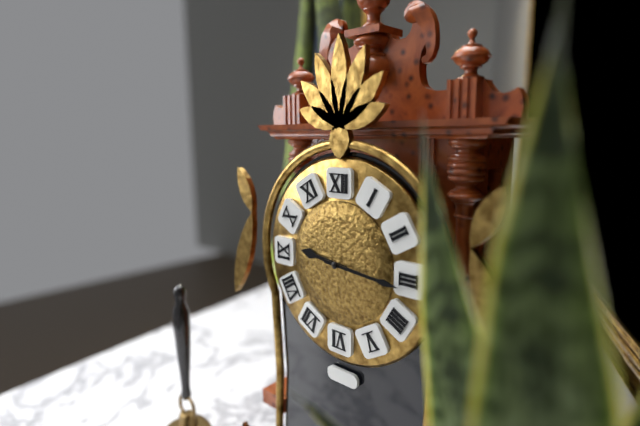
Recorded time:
{"hour": 9, "minute": 16}
